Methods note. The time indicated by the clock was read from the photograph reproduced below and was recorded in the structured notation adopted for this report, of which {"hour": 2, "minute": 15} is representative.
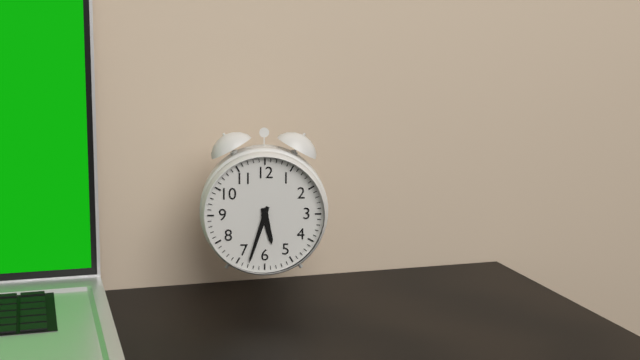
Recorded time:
{"hour": 5, "minute": 33}
